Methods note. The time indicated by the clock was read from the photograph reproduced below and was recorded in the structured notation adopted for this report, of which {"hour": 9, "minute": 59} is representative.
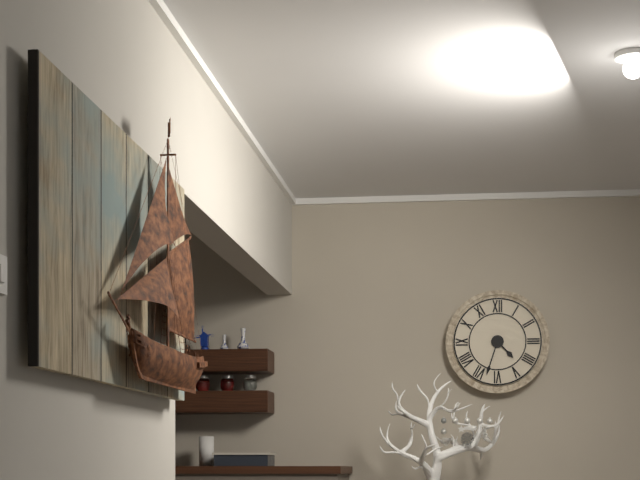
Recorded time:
{"hour": 4, "minute": 33}
